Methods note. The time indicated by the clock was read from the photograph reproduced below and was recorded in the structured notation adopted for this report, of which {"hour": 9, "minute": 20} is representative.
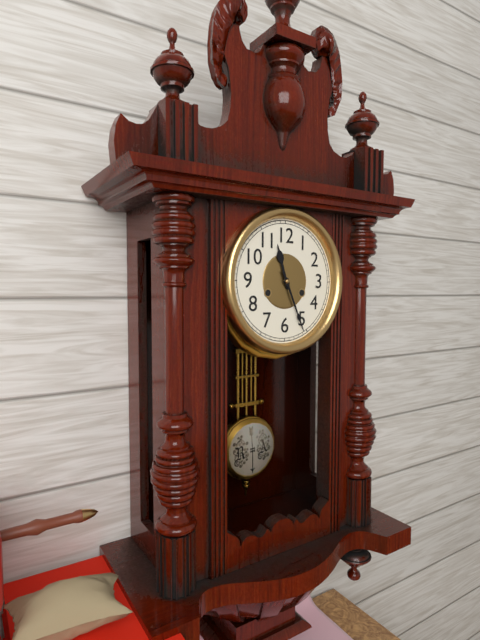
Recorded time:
{"hour": 11, "minute": 26}
